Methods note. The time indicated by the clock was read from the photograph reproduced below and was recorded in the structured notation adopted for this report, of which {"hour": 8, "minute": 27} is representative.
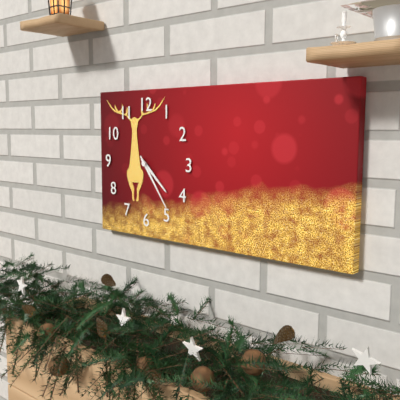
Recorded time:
{"hour": 4, "minute": 24}
